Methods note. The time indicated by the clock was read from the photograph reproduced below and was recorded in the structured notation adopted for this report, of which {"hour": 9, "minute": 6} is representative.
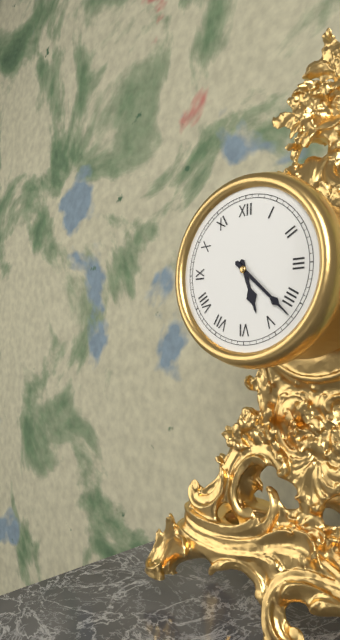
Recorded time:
{"hour": 5, "minute": 22}
